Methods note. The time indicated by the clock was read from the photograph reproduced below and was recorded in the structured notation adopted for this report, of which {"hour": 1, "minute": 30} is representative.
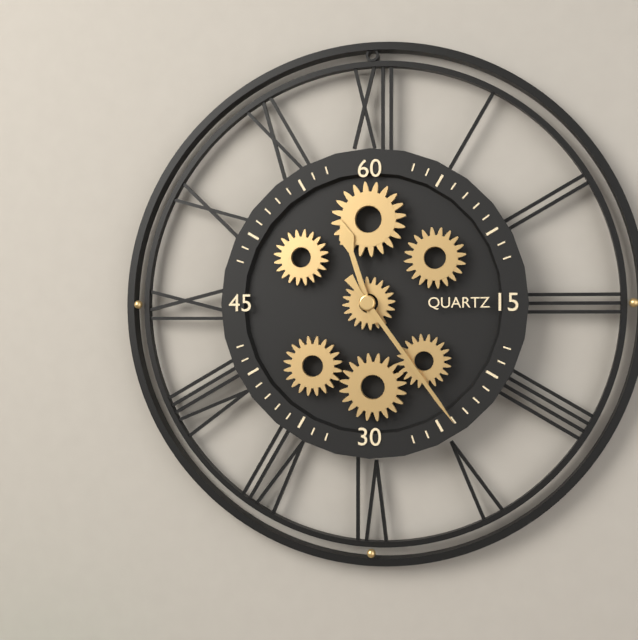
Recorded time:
{"hour": 11, "minute": 24}
